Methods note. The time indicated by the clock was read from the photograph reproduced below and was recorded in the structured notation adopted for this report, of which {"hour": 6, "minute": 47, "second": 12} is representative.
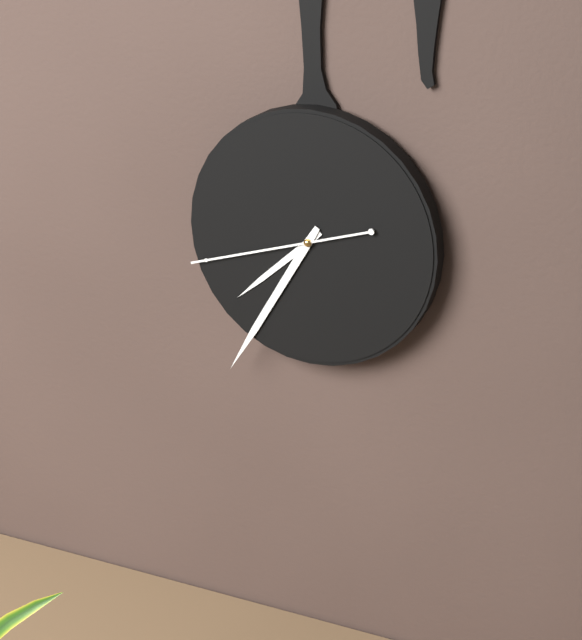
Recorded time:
{"hour": 7, "minute": 35, "second": 42}
